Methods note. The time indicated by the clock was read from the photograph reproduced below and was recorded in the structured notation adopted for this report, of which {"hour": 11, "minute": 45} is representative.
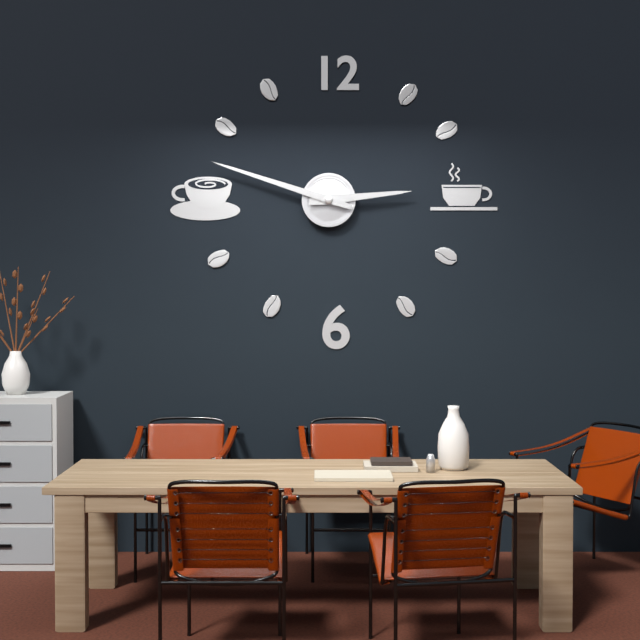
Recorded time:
{"hour": 2, "minute": 48}
